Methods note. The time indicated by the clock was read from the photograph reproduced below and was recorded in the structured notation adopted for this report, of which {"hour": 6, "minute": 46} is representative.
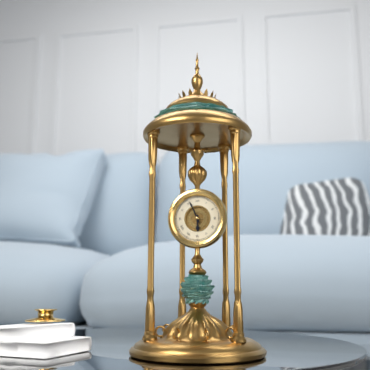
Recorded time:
{"hour": 5, "minute": 56}
